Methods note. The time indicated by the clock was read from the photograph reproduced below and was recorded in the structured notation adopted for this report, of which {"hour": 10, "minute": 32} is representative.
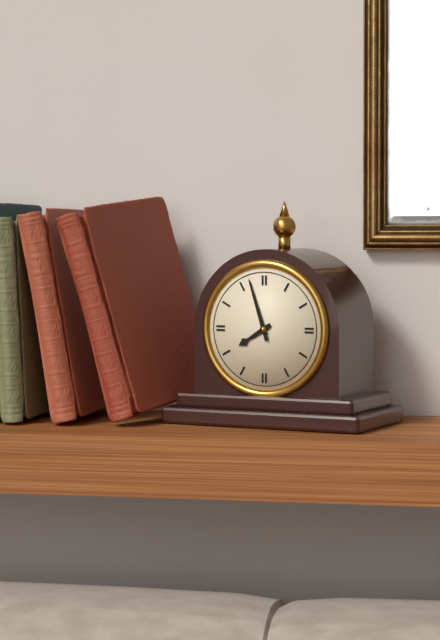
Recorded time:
{"hour": 7, "minute": 57}
